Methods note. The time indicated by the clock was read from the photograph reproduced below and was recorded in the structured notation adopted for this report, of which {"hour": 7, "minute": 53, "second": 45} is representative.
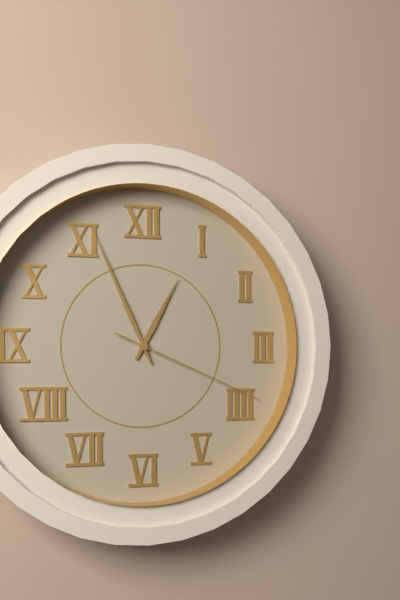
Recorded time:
{"hour": 12, "minute": 56, "second": 19}
